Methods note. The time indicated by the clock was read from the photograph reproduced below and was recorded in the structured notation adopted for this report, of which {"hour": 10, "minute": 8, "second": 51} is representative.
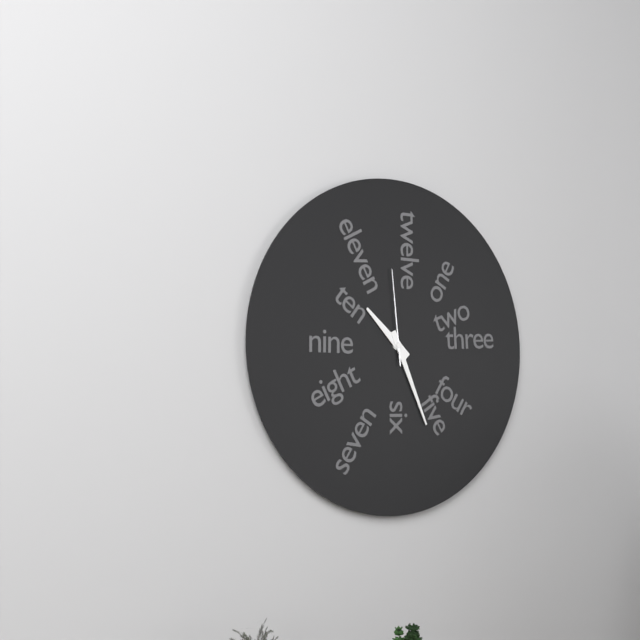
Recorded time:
{"hour": 10, "minute": 26, "second": 59}
